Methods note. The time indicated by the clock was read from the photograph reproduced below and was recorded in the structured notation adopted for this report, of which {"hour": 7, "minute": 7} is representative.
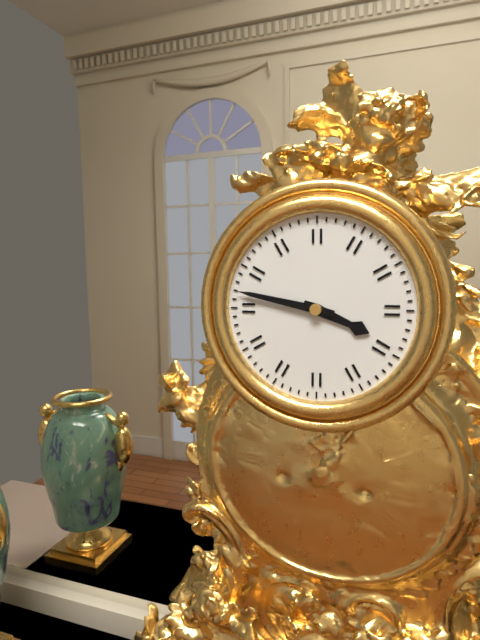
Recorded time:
{"hour": 3, "minute": 47}
